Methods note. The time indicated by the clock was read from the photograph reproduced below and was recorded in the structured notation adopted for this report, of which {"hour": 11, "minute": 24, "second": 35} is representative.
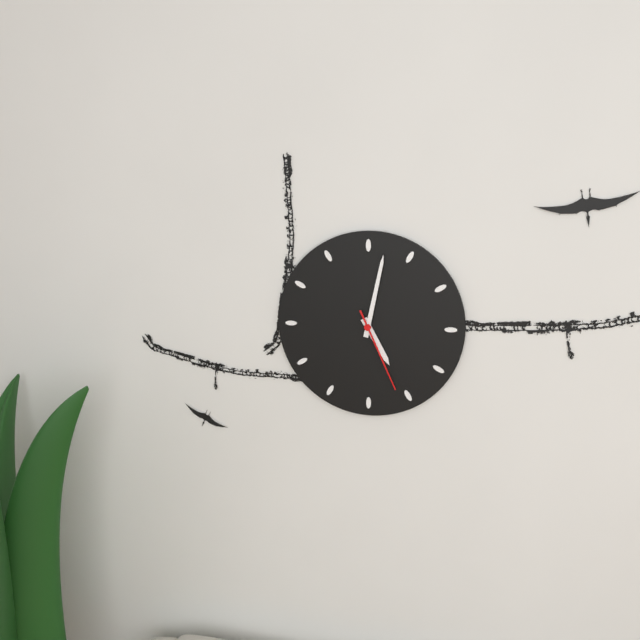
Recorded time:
{"hour": 5, "minute": 2, "second": 26}
